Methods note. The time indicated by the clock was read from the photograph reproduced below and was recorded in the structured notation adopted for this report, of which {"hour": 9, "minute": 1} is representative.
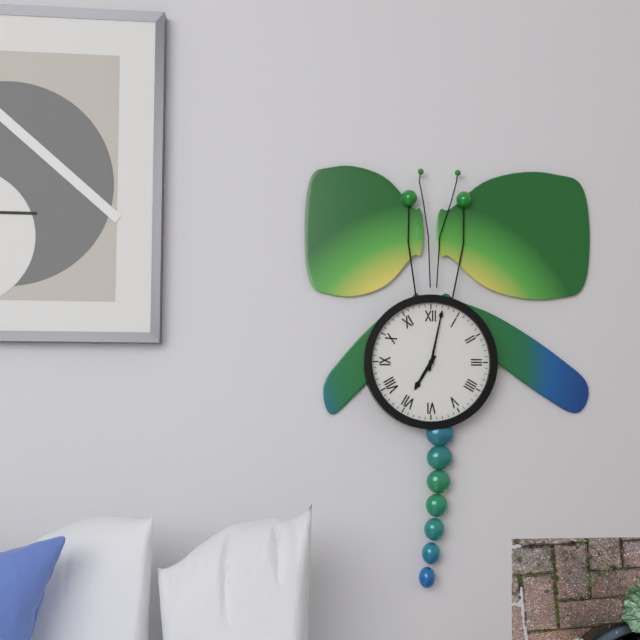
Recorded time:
{"hour": 7, "minute": 2}
